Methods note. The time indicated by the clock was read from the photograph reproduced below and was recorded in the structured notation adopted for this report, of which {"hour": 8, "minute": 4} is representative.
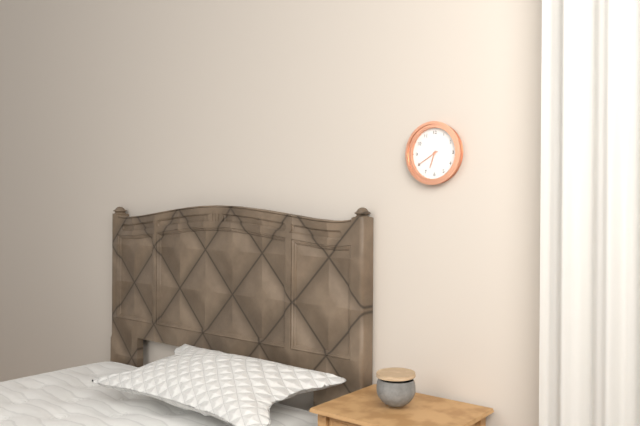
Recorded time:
{"hour": 6, "minute": 40}
